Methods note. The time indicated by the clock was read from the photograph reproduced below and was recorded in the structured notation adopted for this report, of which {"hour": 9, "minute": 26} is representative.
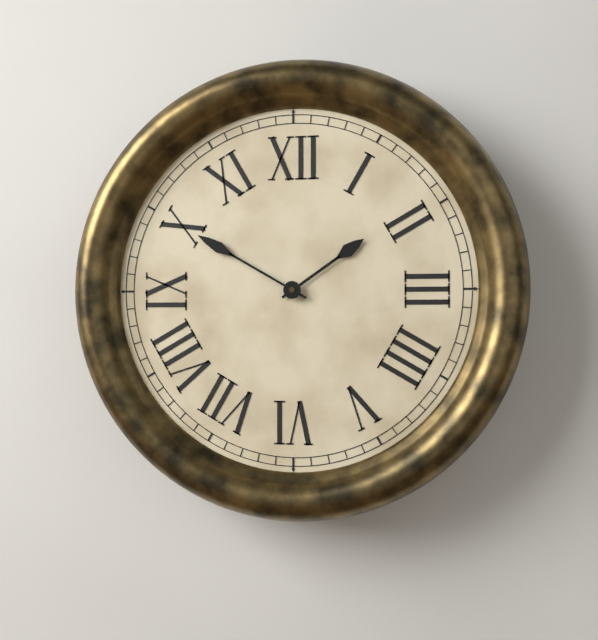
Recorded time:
{"hour": 1, "minute": 50}
